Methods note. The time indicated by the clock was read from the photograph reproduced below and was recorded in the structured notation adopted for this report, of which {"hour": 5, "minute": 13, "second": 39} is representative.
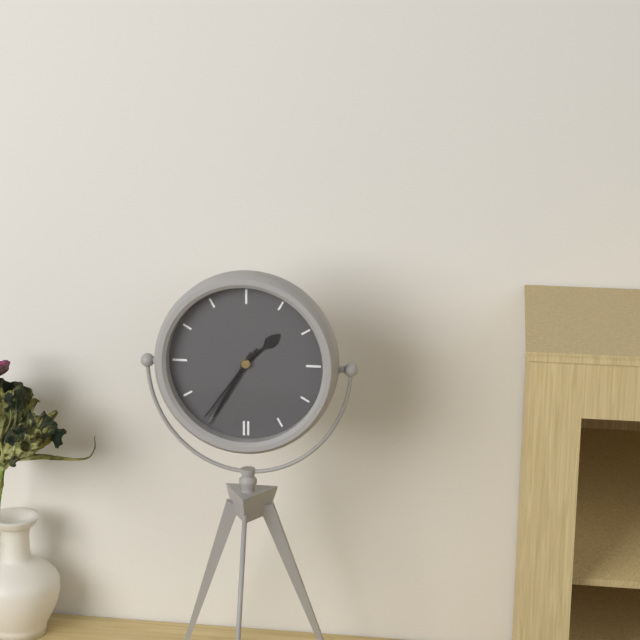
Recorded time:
{"hour": 1, "minute": 35, "second": 36}
